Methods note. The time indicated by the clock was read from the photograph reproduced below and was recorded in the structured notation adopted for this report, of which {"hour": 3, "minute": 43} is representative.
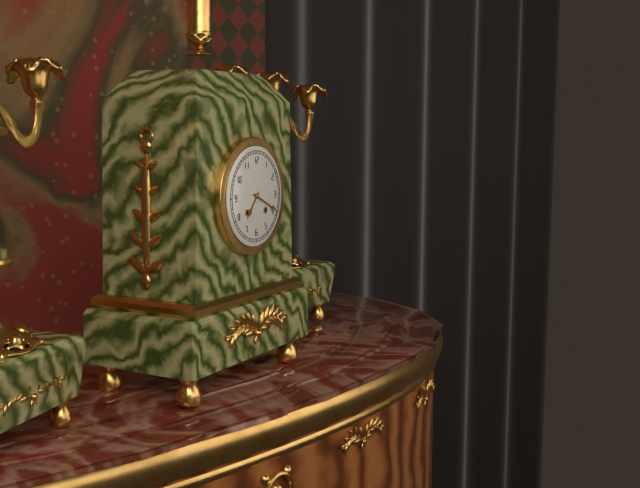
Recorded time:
{"hour": 7, "minute": 19}
